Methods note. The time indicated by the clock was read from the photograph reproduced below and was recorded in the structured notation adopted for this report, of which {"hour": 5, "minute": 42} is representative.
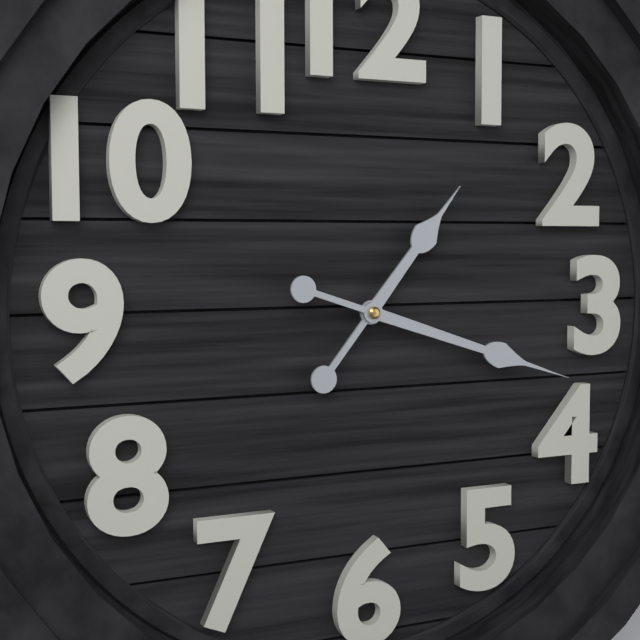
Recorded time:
{"hour": 1, "minute": 18}
